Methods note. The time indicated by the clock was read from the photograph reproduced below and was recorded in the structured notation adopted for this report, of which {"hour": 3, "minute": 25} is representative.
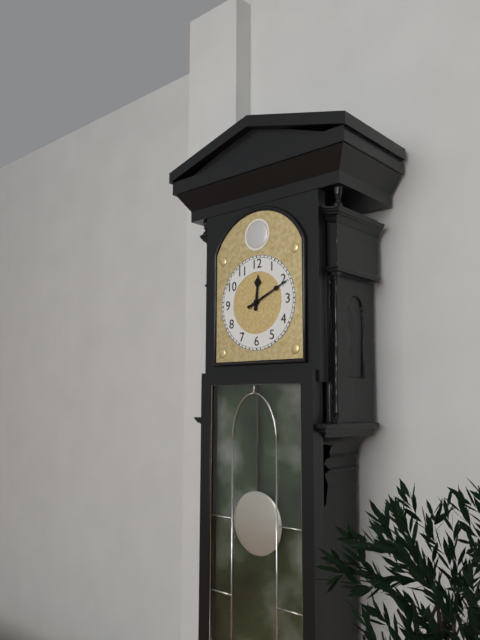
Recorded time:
{"hour": 12, "minute": 11}
